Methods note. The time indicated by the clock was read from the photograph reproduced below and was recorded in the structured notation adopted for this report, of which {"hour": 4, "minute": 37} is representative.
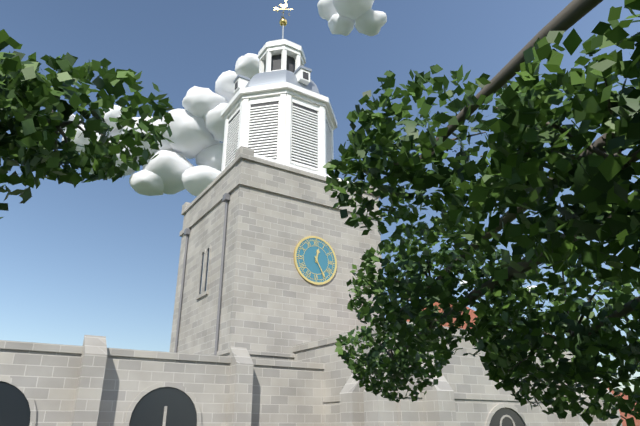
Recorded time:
{"hour": 12, "minute": 25}
